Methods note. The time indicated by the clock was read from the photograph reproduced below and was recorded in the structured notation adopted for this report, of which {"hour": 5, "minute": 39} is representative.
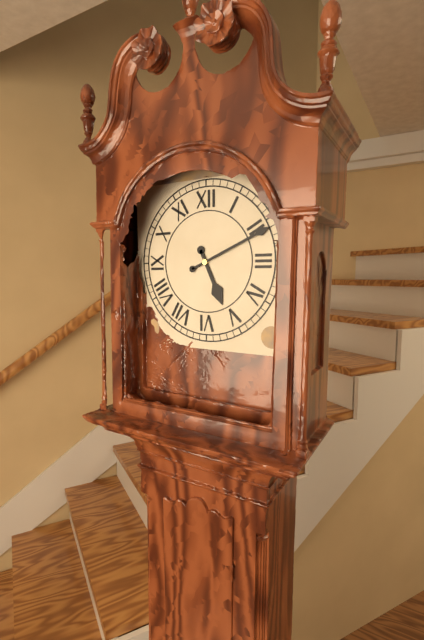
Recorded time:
{"hour": 5, "minute": 11}
